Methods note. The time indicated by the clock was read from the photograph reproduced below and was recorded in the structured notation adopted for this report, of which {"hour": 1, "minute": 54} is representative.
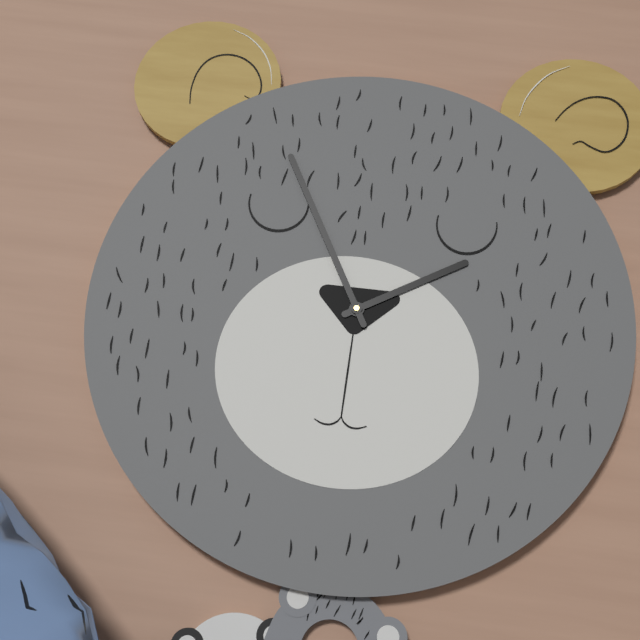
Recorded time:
{"hour": 1, "minute": 55}
